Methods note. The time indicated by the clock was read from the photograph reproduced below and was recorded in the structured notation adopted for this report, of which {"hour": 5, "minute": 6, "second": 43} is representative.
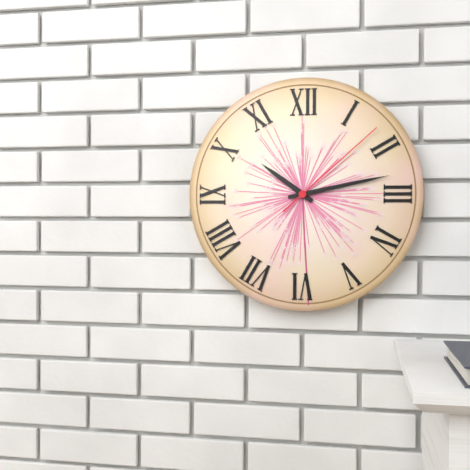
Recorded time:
{"hour": 10, "minute": 13, "second": 8}
